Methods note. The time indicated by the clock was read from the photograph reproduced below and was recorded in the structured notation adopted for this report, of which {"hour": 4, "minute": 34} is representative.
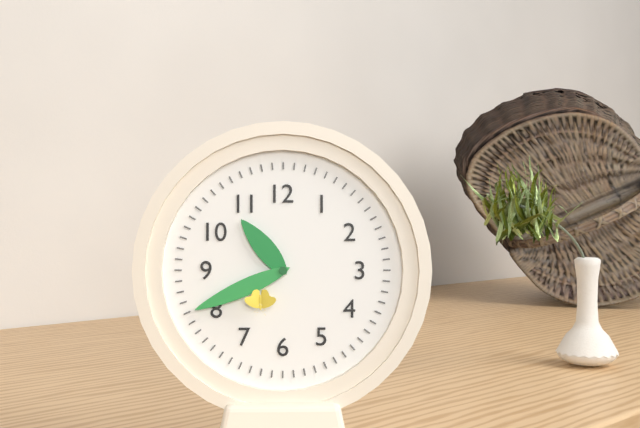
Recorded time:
{"hour": 10, "minute": 41}
